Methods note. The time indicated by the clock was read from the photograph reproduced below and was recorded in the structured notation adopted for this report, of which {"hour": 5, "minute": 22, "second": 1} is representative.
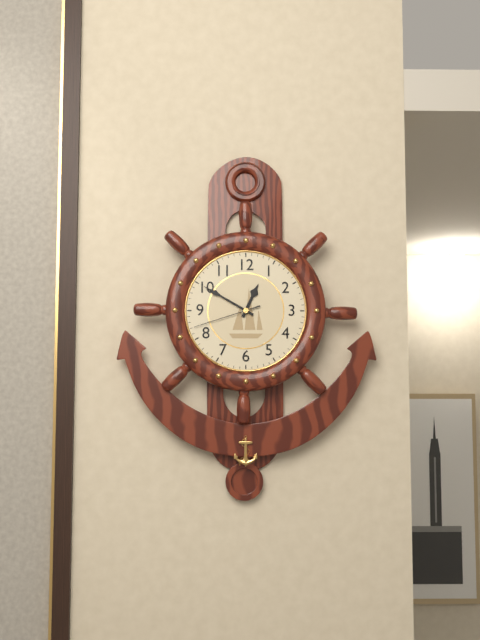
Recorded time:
{"hour": 12, "minute": 50, "second": 42}
